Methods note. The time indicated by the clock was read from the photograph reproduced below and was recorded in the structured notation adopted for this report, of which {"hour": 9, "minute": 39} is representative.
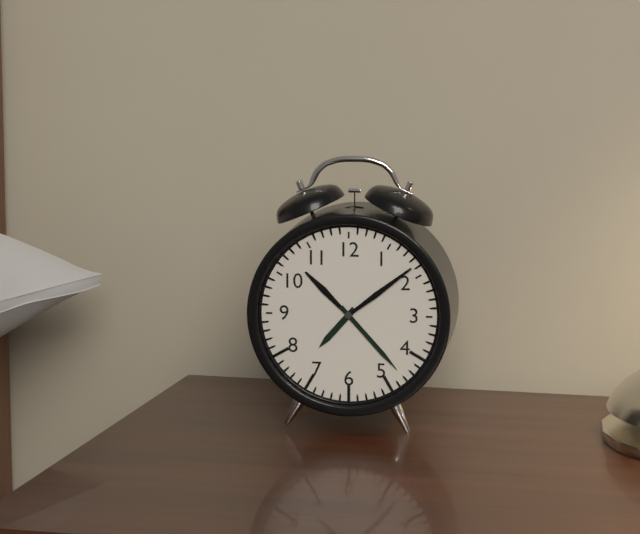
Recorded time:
{"hour": 7, "minute": 23}
